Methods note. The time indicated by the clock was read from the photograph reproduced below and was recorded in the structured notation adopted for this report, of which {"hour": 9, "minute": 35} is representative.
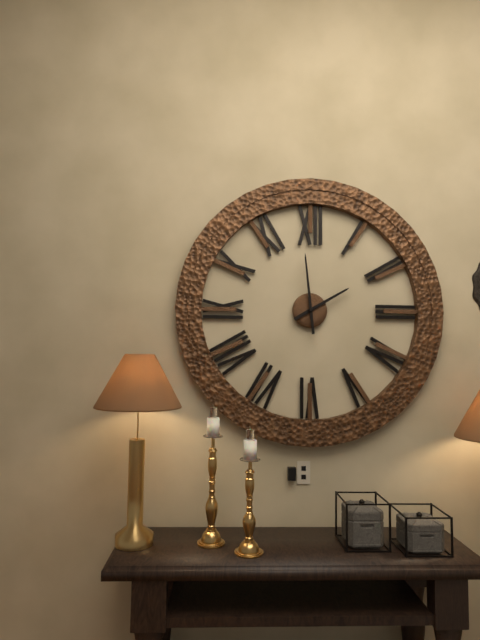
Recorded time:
{"hour": 1, "minute": 59}
